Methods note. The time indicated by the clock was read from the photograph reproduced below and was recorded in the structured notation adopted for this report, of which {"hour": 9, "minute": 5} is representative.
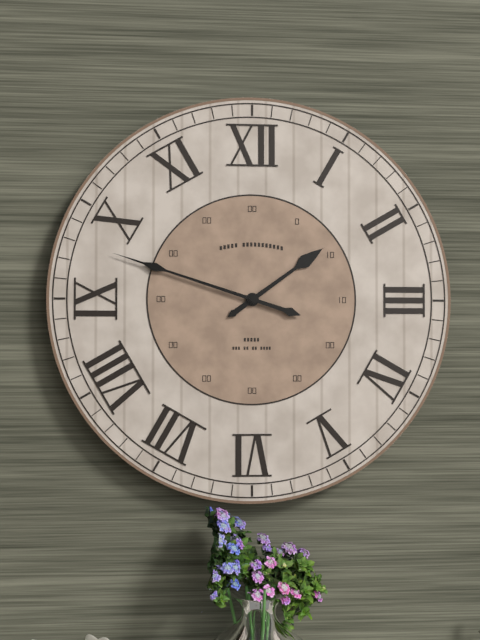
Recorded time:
{"hour": 1, "minute": 48}
